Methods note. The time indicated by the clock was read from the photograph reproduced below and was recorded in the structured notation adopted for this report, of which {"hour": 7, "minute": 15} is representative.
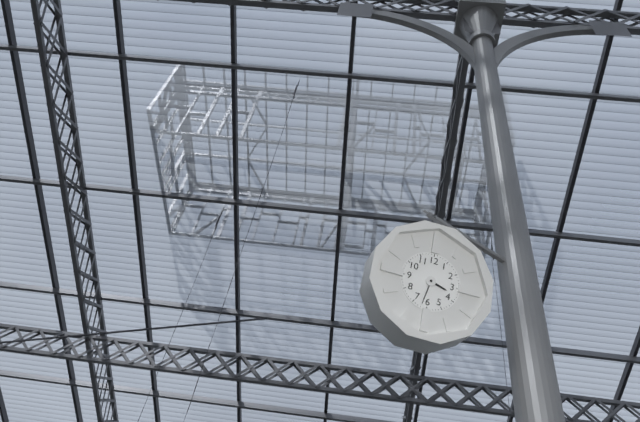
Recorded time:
{"hour": 3, "minute": 32}
